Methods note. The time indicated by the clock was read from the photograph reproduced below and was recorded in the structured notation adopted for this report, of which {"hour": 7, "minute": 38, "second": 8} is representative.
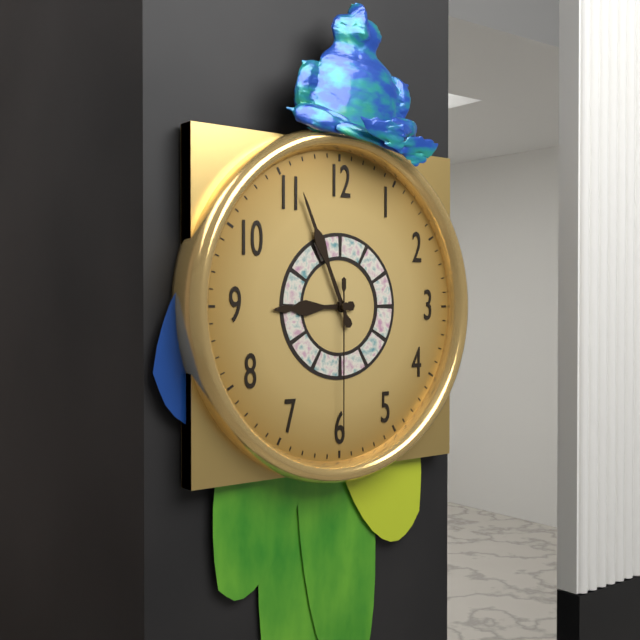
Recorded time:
{"hour": 8, "minute": 56, "second": 30}
